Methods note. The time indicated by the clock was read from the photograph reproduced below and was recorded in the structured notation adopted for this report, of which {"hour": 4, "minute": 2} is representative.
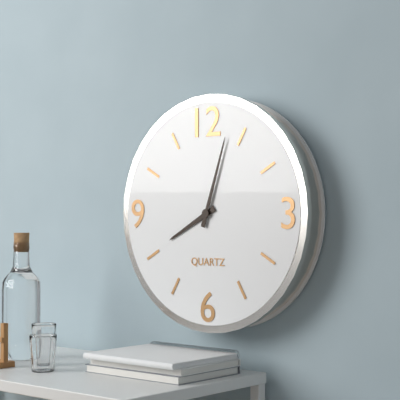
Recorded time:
{"hour": 8, "minute": 3}
